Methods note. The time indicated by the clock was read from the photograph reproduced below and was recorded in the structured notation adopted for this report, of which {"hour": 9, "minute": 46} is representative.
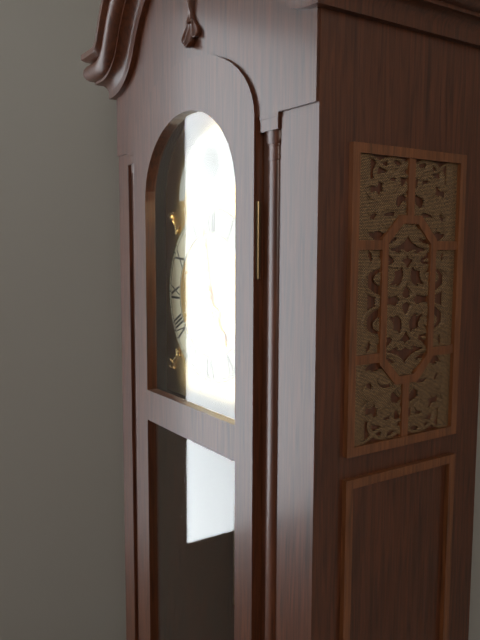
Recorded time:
{"hour": 4, "minute": 58}
